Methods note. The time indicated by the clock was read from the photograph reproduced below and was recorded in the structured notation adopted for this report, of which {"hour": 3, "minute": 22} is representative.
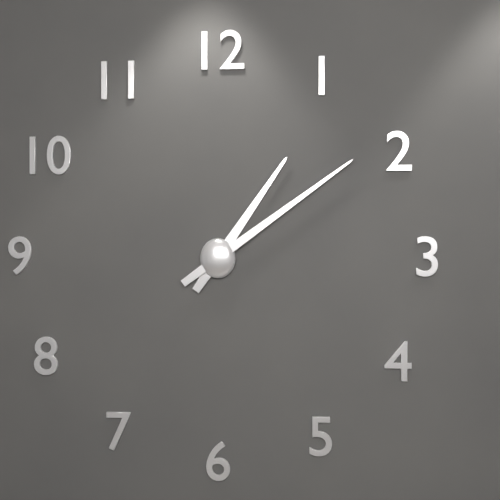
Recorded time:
{"hour": 1, "minute": 9}
